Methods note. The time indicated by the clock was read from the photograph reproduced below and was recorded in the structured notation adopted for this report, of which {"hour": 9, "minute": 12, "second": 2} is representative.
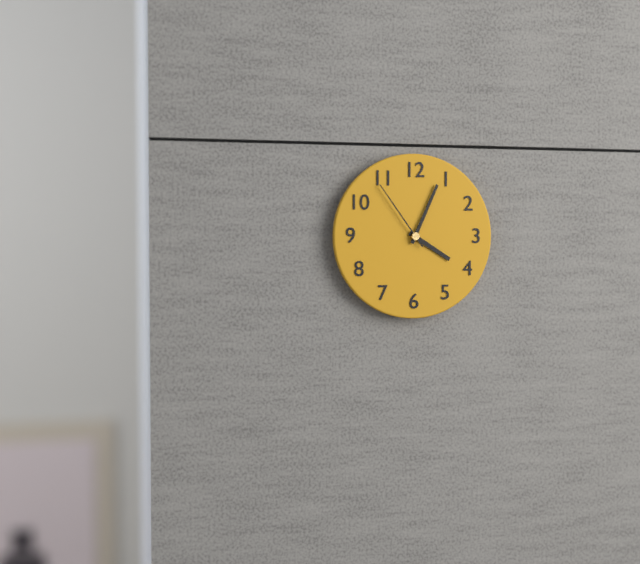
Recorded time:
{"hour": 4, "minute": 4, "second": 54}
